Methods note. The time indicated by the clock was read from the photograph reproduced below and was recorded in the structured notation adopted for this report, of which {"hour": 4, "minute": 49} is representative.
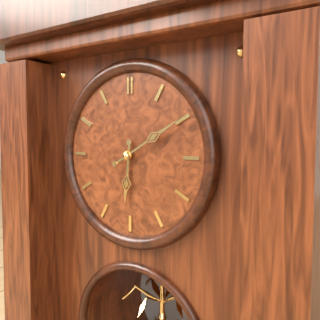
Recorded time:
{"hour": 6, "minute": 10}
